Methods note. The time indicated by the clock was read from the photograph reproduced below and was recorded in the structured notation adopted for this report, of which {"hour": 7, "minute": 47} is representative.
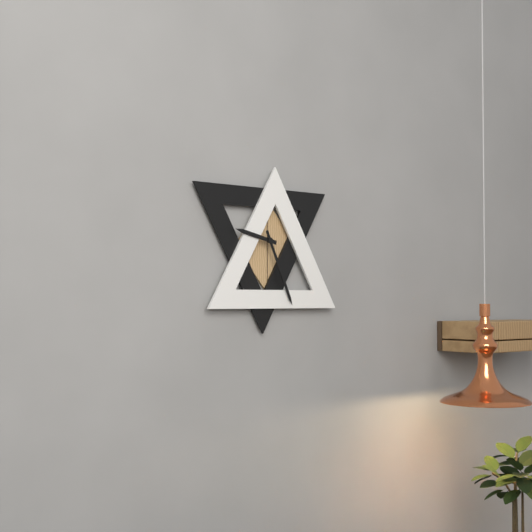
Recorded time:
{"hour": 9, "minute": 26}
